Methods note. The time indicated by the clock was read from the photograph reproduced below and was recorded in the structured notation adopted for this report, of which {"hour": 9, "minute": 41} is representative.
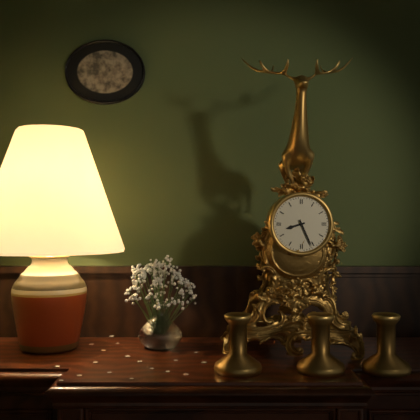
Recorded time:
{"hour": 8, "minute": 26}
